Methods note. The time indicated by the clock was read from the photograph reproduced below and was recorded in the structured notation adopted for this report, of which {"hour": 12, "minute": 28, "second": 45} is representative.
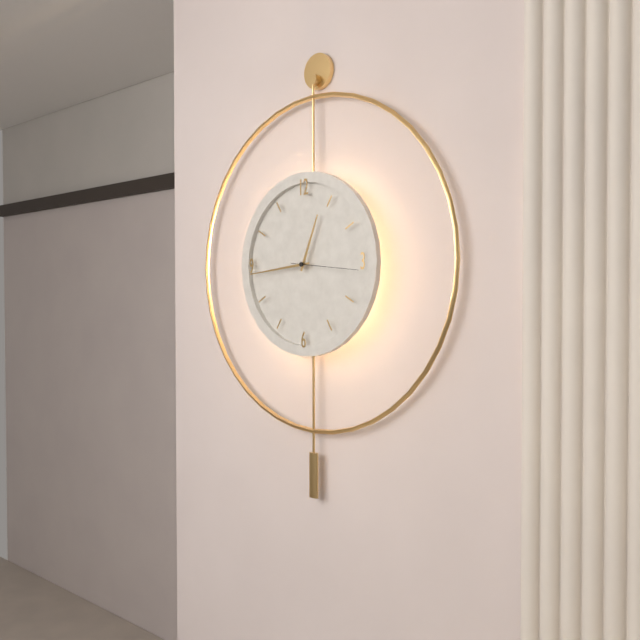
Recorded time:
{"hour": 12, "minute": 44, "second": 16}
